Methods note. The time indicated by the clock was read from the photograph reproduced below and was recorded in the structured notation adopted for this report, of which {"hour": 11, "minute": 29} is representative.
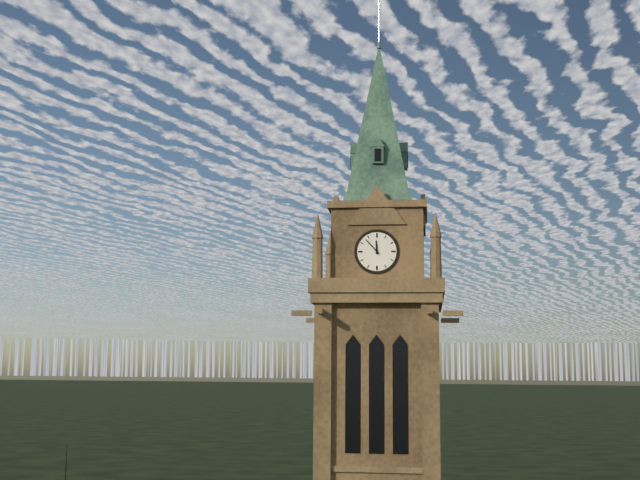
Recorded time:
{"hour": 11, "minute": 53}
